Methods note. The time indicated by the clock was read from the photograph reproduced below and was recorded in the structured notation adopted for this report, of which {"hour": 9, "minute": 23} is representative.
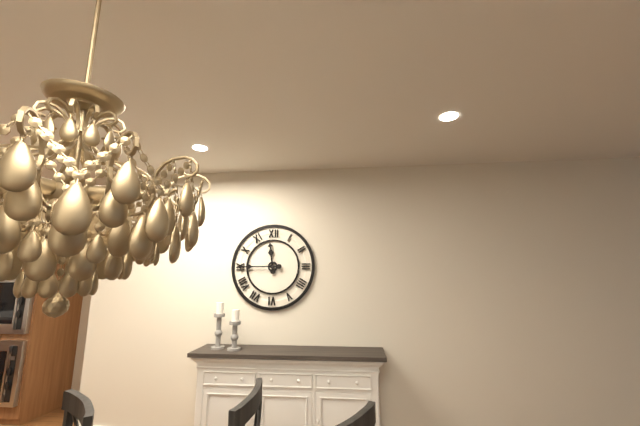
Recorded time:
{"hour": 11, "minute": 45}
